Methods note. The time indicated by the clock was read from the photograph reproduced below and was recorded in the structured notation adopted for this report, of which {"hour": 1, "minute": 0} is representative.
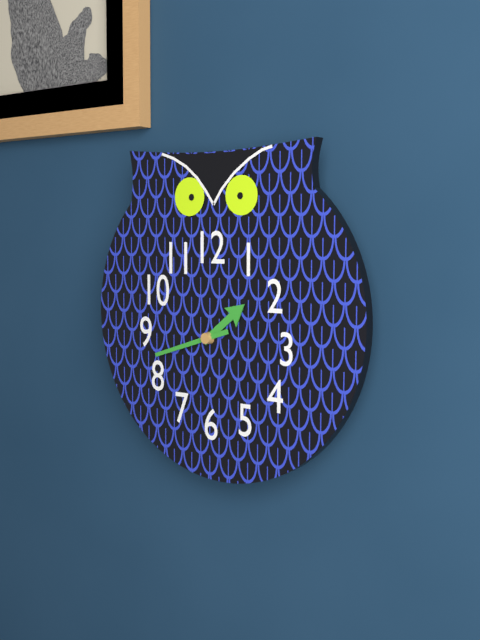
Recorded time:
{"hour": 1, "minute": 42}
